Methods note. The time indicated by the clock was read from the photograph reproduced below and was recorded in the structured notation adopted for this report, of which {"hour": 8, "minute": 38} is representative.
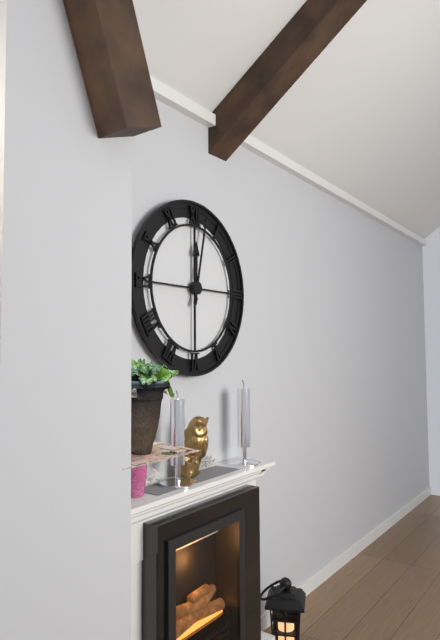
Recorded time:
{"hour": 12, "minute": 2}
